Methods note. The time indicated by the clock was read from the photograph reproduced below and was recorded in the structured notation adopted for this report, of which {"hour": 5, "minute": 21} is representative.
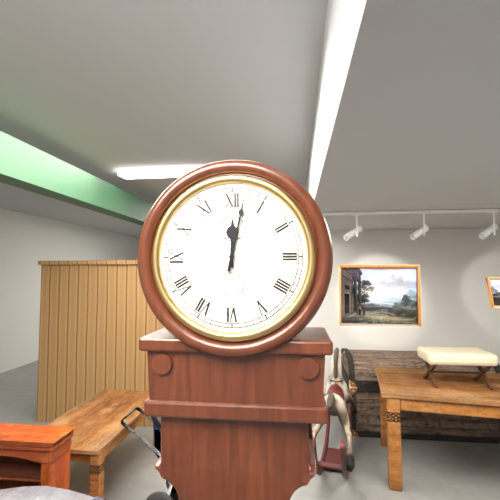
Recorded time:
{"hour": 12, "minute": 2}
